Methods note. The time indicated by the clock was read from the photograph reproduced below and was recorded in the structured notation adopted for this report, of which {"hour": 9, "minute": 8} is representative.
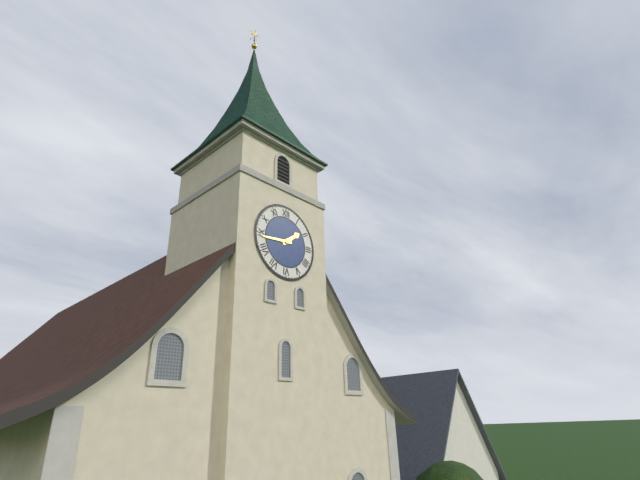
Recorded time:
{"hour": 1, "minute": 44}
